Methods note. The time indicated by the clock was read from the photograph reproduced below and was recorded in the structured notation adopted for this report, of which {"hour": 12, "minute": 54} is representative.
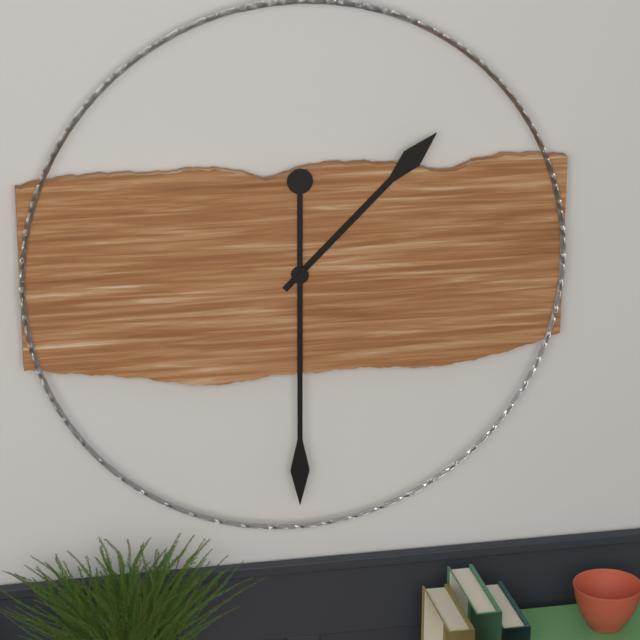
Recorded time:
{"hour": 1, "minute": 30}
